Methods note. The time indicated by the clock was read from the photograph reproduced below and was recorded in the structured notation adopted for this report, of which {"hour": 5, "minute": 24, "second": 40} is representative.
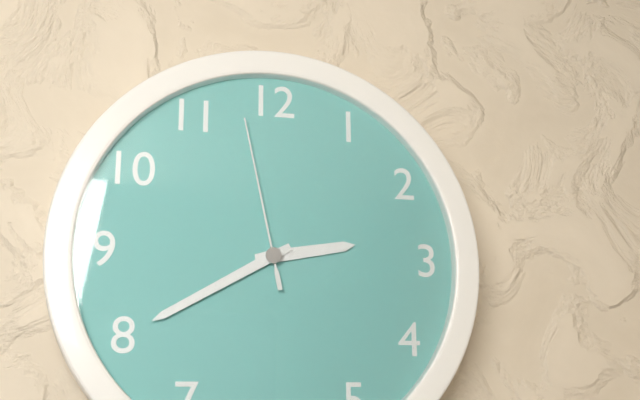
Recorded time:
{"hour": 2, "minute": 40, "second": 58}
